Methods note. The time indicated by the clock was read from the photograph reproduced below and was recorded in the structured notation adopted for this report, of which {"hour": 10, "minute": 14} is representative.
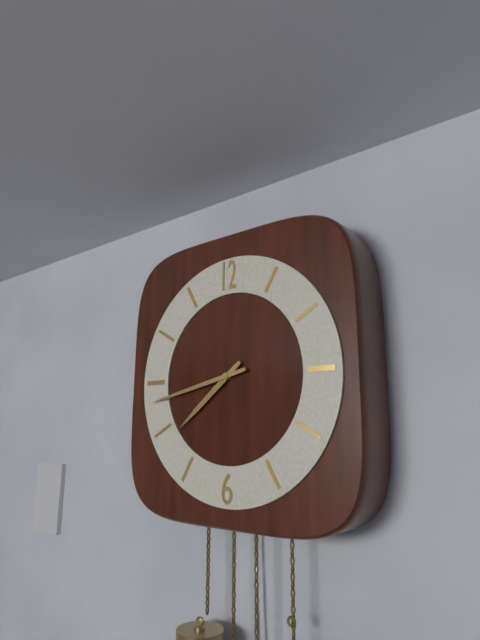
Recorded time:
{"hour": 7, "minute": 43}
